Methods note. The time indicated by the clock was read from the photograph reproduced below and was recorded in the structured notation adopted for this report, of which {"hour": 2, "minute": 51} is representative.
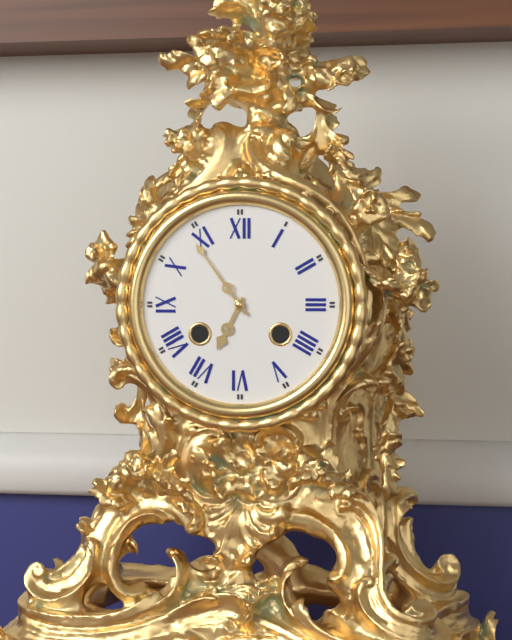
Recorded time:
{"hour": 6, "minute": 54}
